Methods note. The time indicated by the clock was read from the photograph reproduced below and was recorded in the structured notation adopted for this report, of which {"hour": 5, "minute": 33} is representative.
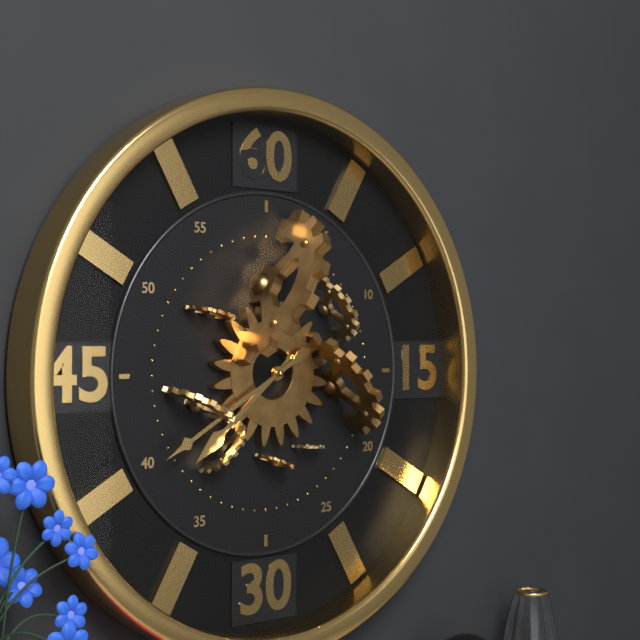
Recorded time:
{"hour": 7, "minute": 40}
